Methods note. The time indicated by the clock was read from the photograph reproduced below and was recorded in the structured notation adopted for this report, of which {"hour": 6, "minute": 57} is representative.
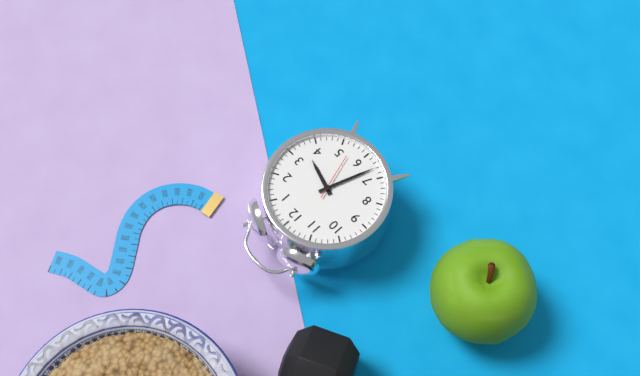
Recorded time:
{"hour": 3, "minute": 33}
